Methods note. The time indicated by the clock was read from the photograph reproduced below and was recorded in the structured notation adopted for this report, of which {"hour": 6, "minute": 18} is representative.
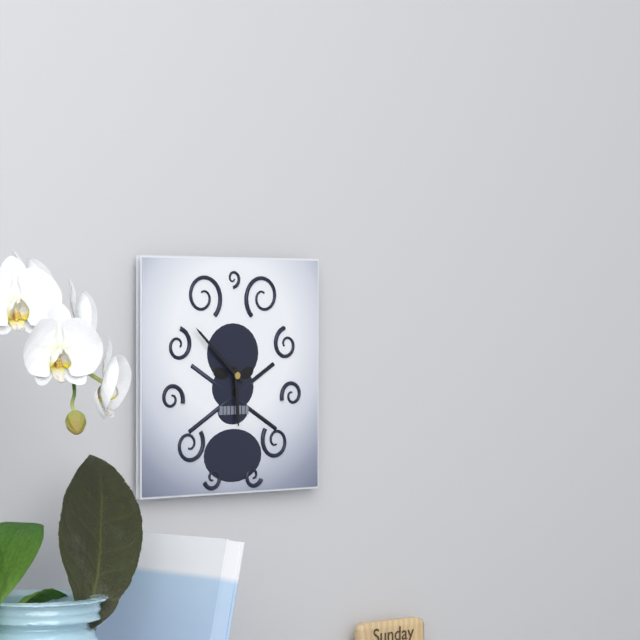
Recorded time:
{"hour": 5, "minute": 52}
